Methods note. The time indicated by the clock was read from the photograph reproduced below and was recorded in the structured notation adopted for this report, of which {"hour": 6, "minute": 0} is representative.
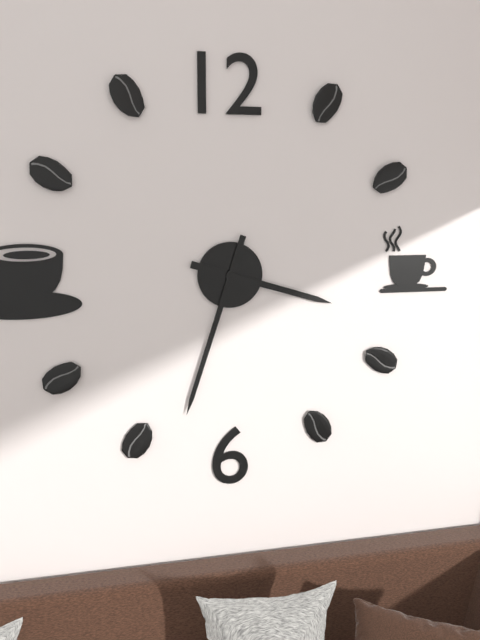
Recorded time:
{"hour": 3, "minute": 33}
